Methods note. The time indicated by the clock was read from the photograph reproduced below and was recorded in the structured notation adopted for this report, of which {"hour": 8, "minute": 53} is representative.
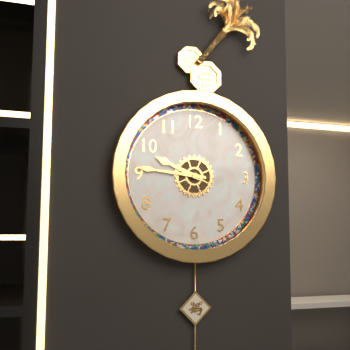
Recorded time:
{"hour": 9, "minute": 46}
